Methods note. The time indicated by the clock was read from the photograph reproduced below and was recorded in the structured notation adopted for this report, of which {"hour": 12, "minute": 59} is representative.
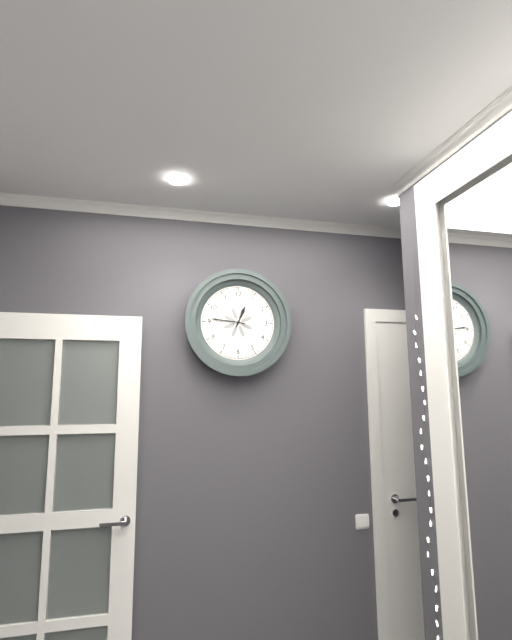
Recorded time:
{"hour": 12, "minute": 46}
